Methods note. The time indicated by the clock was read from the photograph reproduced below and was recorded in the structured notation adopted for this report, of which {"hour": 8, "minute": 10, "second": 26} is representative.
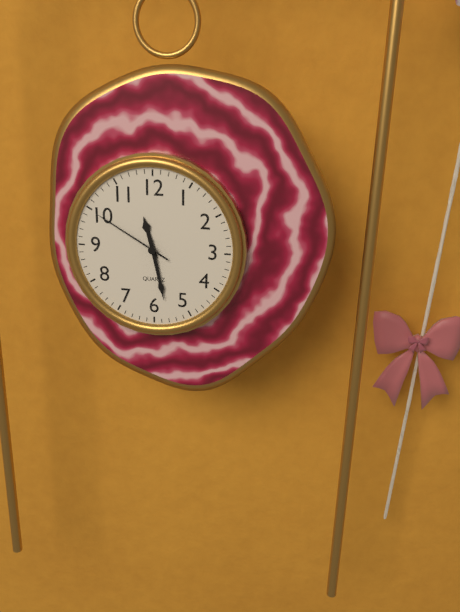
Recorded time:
{"hour": 11, "minute": 28, "second": 50}
